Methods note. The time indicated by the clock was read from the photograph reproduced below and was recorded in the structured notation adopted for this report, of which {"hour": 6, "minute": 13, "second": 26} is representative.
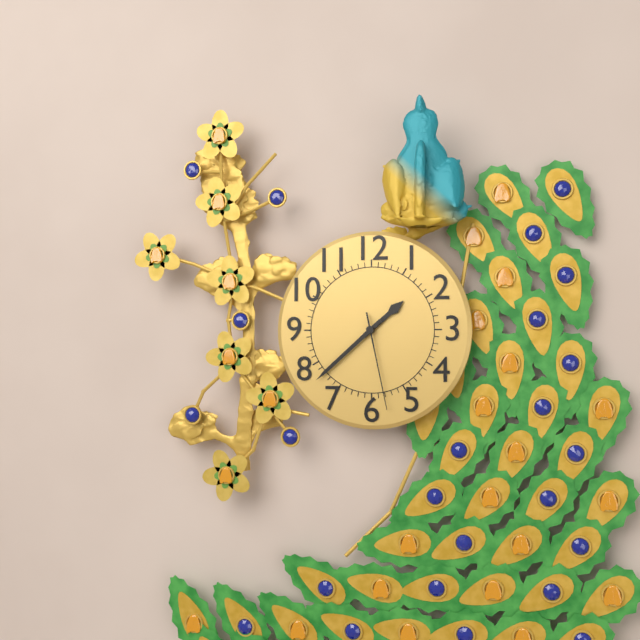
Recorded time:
{"hour": 1, "minute": 38, "second": 28}
